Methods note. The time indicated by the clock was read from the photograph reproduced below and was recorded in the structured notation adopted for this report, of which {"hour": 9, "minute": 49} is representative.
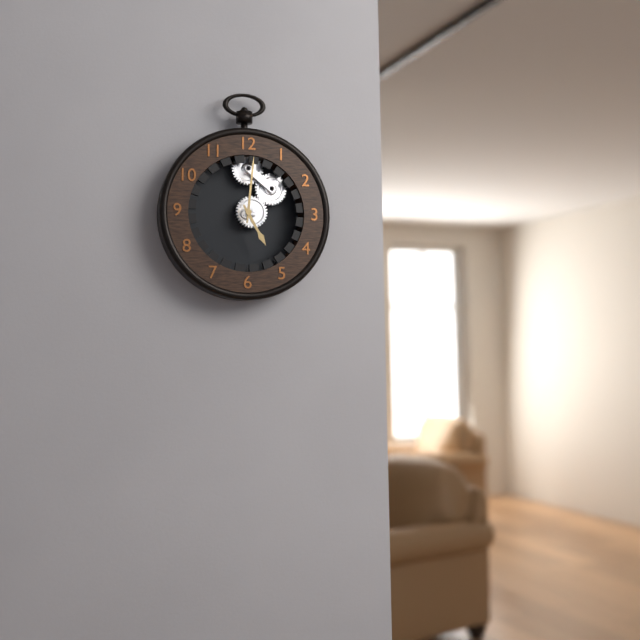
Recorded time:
{"hour": 5, "minute": 1}
